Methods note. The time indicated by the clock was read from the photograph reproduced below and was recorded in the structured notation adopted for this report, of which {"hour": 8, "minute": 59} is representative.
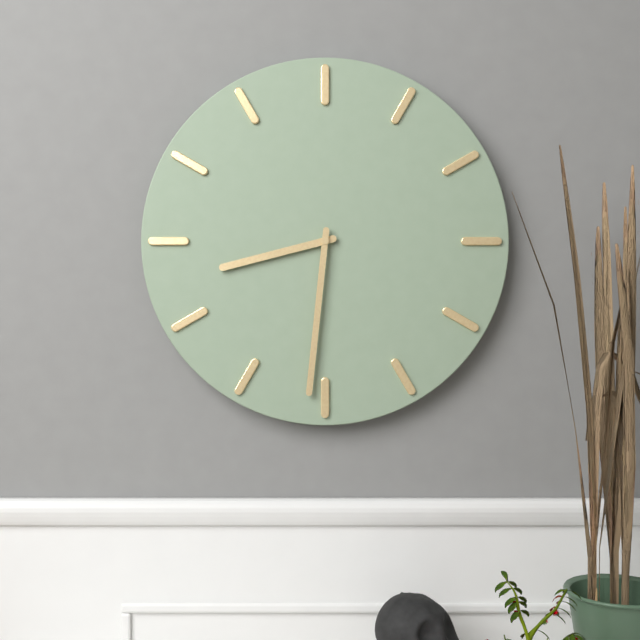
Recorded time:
{"hour": 8, "minute": 31}
